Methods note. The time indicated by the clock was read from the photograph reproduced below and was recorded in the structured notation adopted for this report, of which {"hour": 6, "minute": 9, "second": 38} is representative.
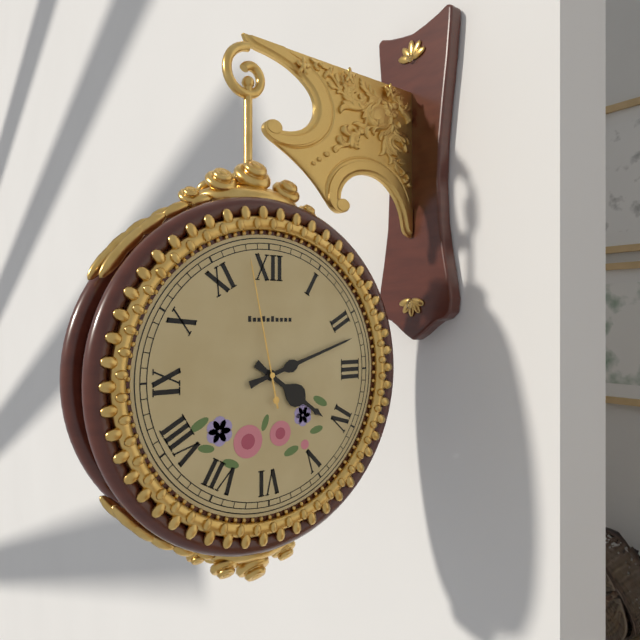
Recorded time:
{"hour": 4, "minute": 12, "second": 58}
